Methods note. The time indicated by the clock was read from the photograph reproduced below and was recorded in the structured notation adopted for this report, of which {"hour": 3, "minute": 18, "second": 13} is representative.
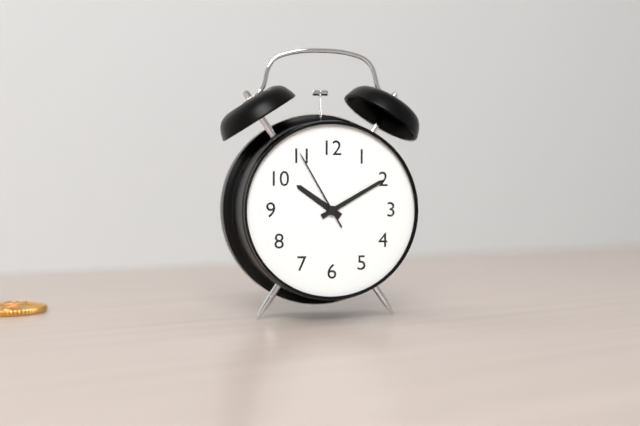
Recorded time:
{"hour": 10, "minute": 10, "second": 55}
